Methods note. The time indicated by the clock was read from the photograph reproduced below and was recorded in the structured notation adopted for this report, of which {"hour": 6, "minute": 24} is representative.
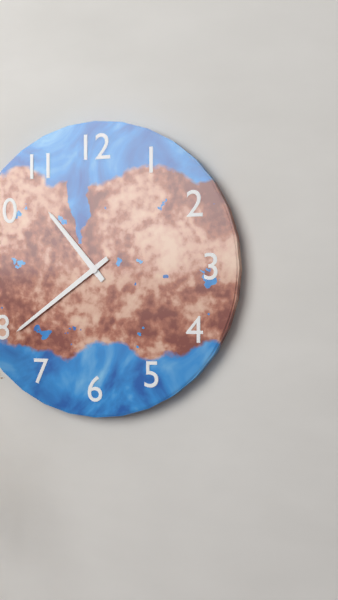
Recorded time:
{"hour": 10, "minute": 39}
